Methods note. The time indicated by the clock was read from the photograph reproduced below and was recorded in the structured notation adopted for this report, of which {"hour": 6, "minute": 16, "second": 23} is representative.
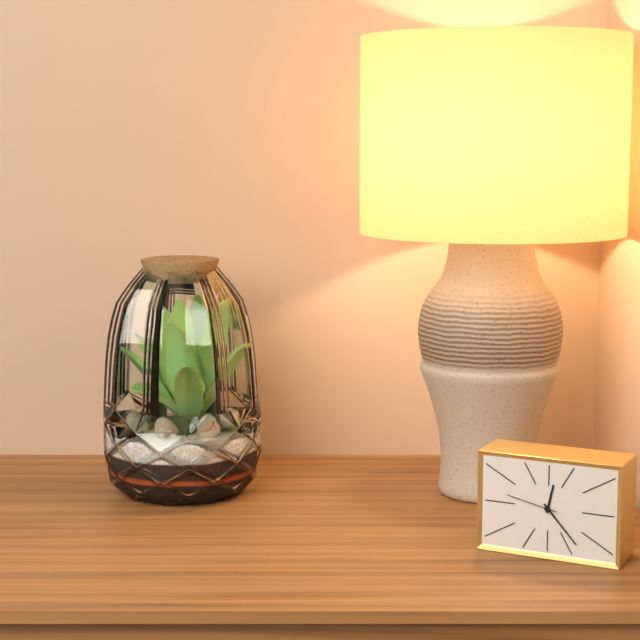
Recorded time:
{"hour": 12, "minute": 23, "second": 47}
